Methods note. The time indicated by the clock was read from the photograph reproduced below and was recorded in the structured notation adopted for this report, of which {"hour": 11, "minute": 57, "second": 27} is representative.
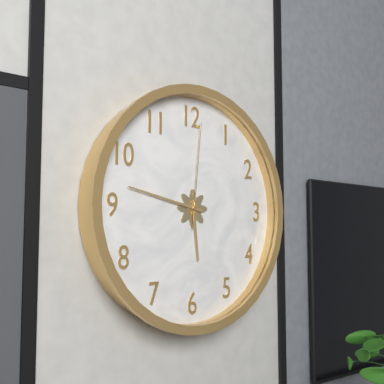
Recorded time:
{"hour": 5, "minute": 47, "second": 1}
